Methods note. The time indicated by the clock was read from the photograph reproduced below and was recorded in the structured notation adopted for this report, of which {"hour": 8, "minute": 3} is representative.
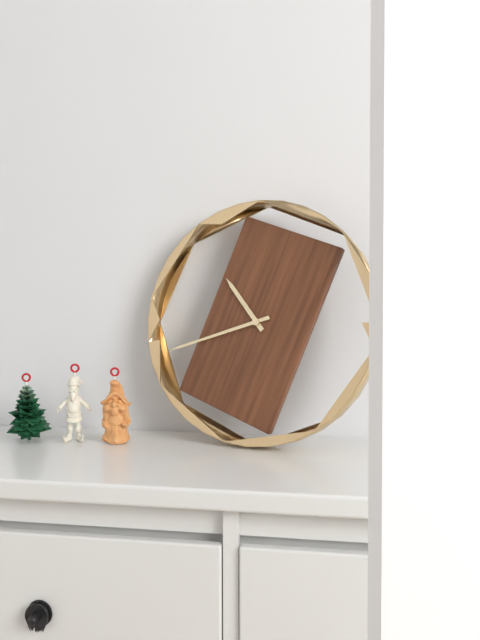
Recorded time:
{"hour": 10, "minute": 42}
